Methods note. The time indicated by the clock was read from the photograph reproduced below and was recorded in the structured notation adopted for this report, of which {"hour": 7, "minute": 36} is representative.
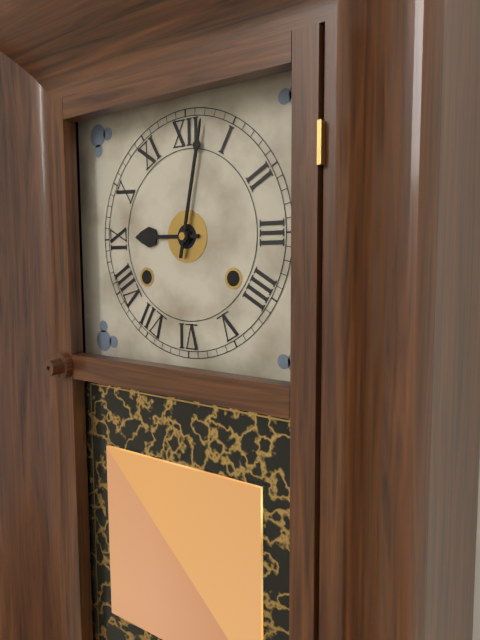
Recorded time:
{"hour": 9, "minute": 2}
